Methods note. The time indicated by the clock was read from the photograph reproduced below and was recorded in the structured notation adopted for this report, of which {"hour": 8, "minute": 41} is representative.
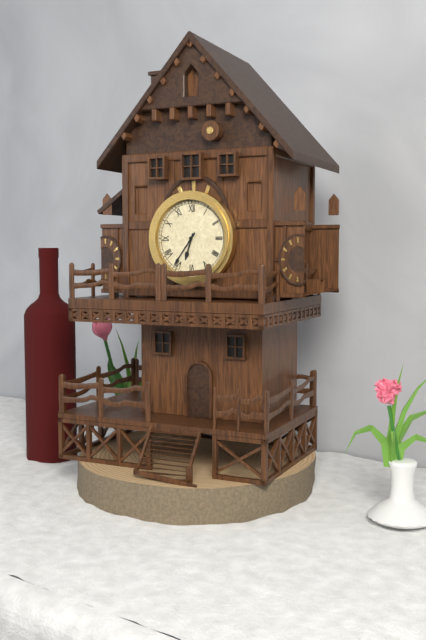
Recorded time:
{"hour": 6, "minute": 36}
